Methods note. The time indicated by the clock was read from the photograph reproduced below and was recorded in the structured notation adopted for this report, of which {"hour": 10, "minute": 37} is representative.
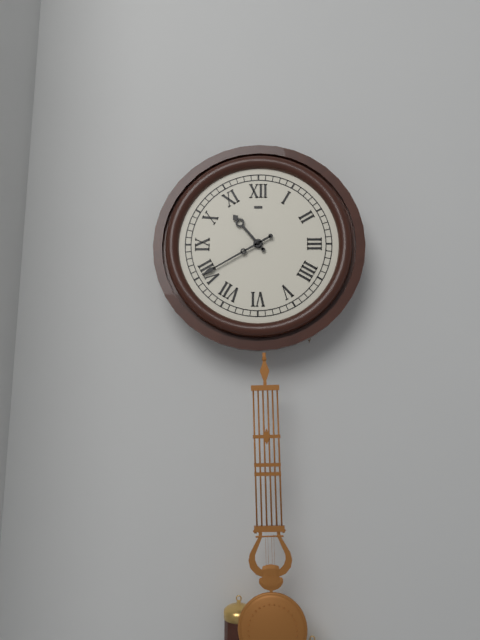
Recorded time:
{"hour": 10, "minute": 40}
